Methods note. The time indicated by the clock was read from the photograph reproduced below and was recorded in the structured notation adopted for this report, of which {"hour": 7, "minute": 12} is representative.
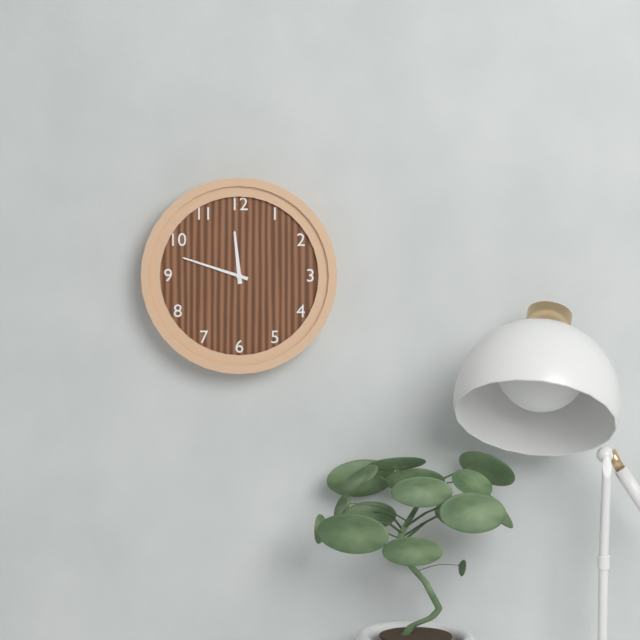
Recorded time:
{"hour": 11, "minute": 48}
